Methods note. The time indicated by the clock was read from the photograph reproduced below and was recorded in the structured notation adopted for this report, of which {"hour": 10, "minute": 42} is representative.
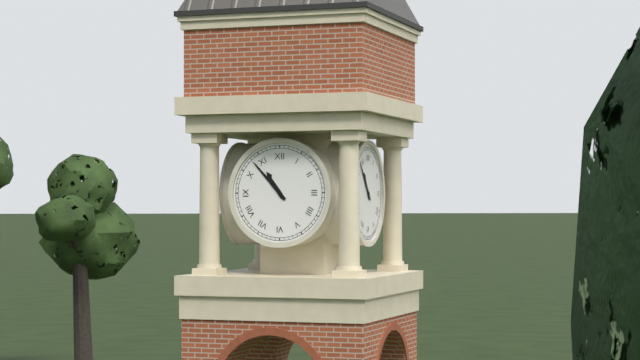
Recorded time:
{"hour": 10, "minute": 53}
